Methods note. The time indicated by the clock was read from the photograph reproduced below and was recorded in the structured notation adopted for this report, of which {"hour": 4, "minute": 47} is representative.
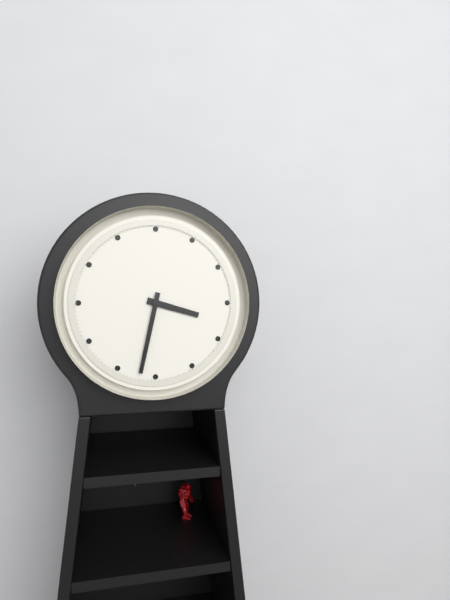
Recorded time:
{"hour": 3, "minute": 32}
